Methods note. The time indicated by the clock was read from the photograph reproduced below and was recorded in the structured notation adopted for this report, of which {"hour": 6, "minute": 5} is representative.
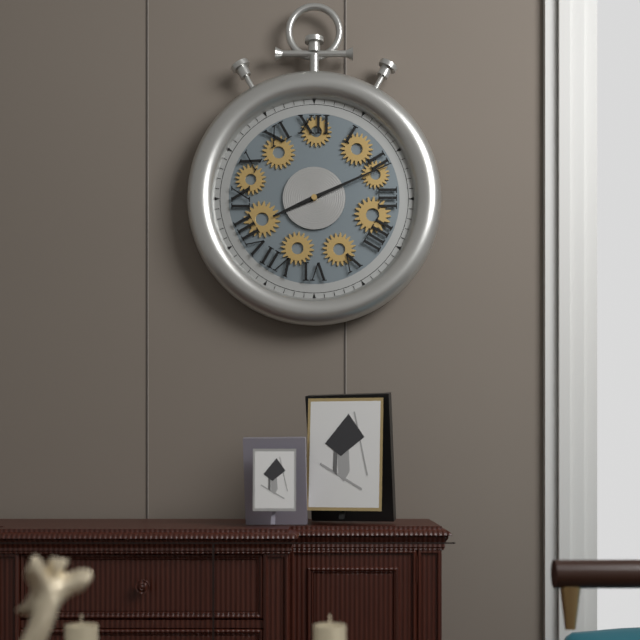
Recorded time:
{"hour": 8, "minute": 11}
